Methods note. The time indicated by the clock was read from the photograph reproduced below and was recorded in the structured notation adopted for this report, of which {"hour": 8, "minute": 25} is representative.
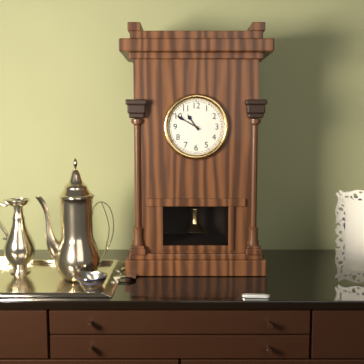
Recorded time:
{"hour": 10, "minute": 50}
